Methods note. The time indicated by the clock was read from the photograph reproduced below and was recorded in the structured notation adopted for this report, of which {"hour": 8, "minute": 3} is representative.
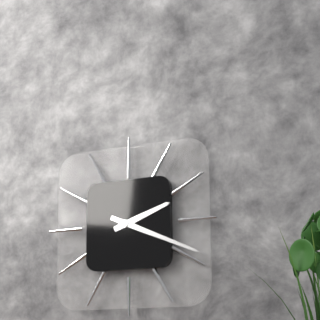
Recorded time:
{"hour": 2, "minute": 19}
